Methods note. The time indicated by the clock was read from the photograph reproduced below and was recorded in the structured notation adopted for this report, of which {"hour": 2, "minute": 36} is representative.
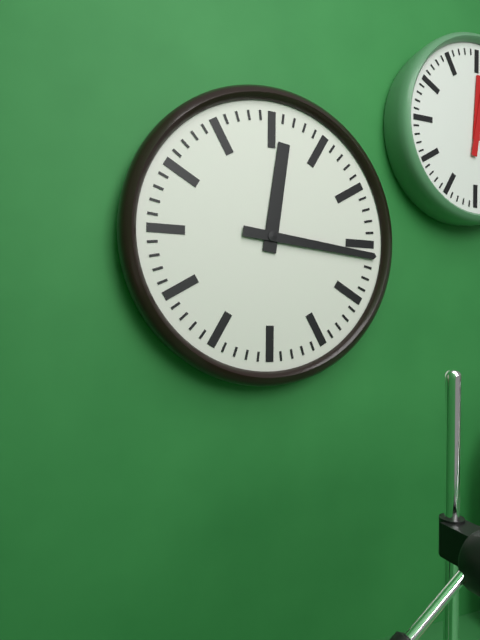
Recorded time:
{"hour": 12, "minute": 16}
